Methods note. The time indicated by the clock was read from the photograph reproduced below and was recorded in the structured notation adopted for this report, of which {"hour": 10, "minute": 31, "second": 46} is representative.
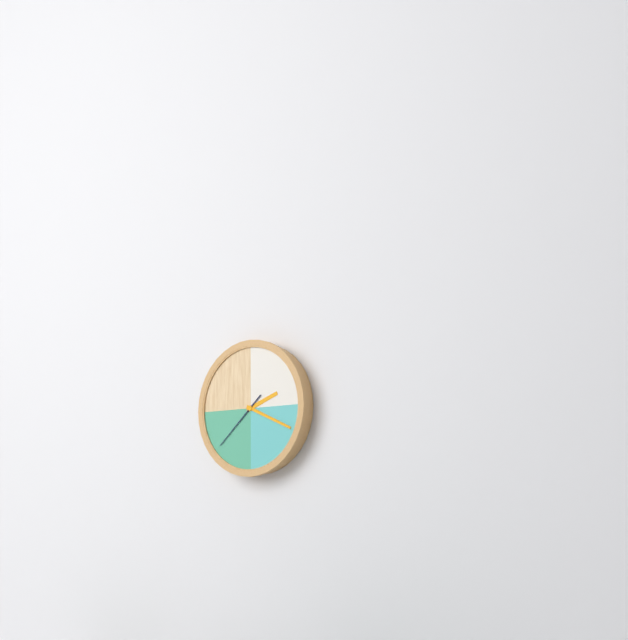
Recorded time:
{"hour": 2, "minute": 19, "second": 38}
